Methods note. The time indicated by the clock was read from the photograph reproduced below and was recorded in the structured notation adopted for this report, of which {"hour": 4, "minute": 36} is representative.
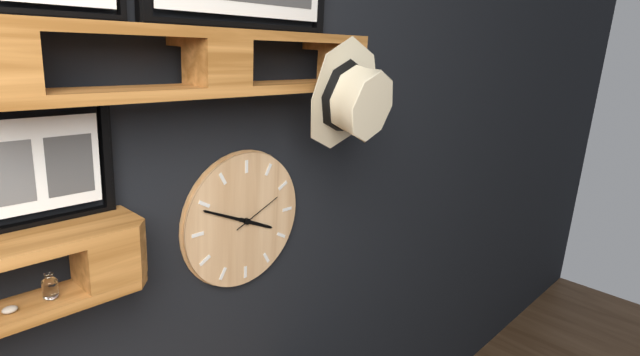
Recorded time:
{"hour": 3, "minute": 49}
